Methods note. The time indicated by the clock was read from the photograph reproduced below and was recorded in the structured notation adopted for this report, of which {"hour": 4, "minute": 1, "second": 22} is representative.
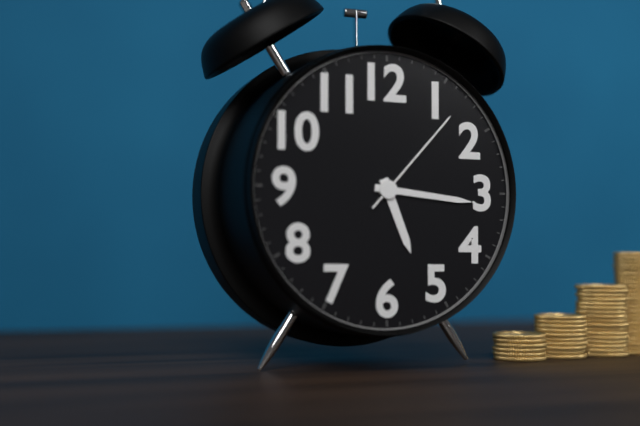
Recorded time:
{"hour": 5, "minute": 16, "second": 7}
